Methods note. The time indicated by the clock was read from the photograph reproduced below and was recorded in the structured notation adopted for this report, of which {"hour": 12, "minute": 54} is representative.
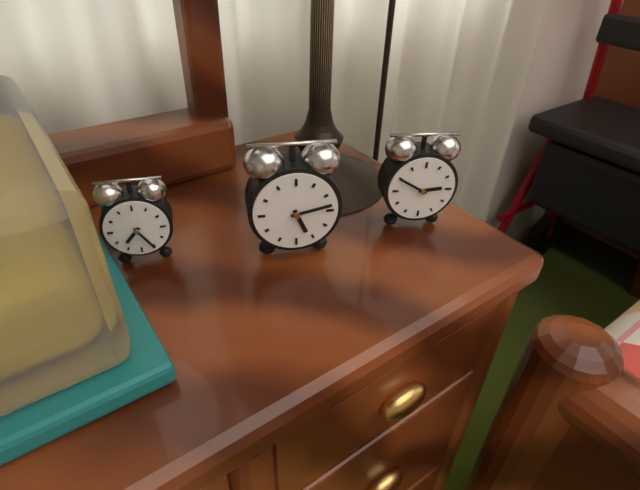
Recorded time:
{"hour": 5, "minute": 13}
